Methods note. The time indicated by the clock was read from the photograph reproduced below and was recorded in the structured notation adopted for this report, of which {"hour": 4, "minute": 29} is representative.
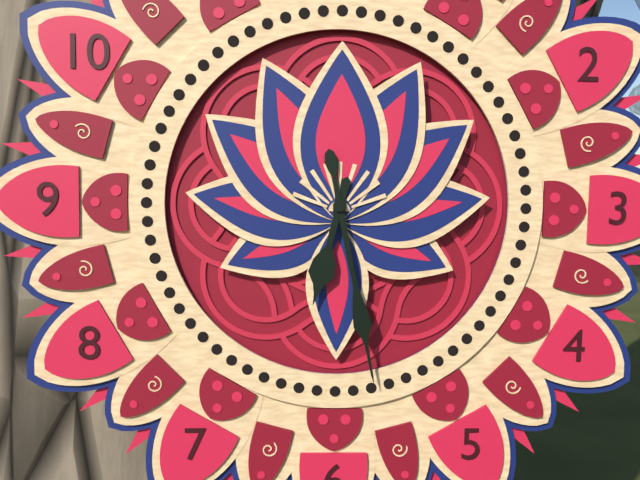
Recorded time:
{"hour": 6, "minute": 28}
